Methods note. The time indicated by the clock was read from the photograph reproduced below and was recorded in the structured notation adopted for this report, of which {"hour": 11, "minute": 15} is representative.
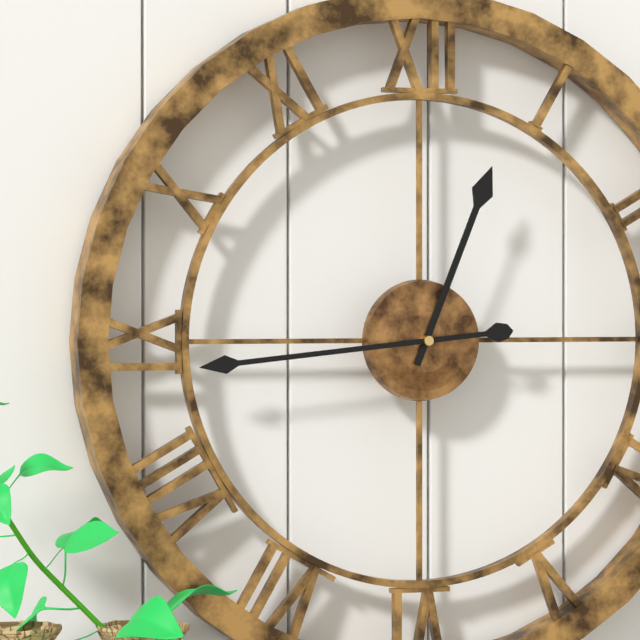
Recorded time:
{"hour": 12, "minute": 44}
